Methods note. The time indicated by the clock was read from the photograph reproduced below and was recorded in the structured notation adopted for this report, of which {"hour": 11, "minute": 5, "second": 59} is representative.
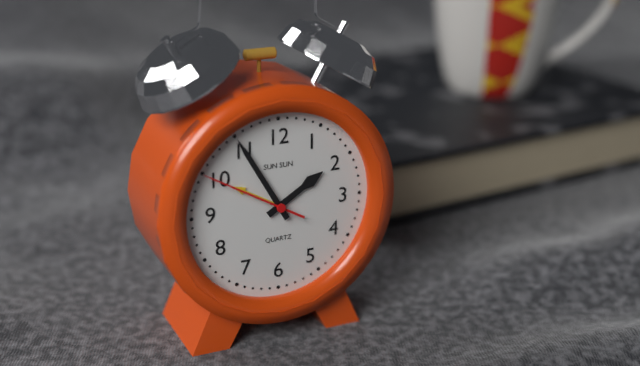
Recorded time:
{"hour": 1, "minute": 55, "second": 50}
